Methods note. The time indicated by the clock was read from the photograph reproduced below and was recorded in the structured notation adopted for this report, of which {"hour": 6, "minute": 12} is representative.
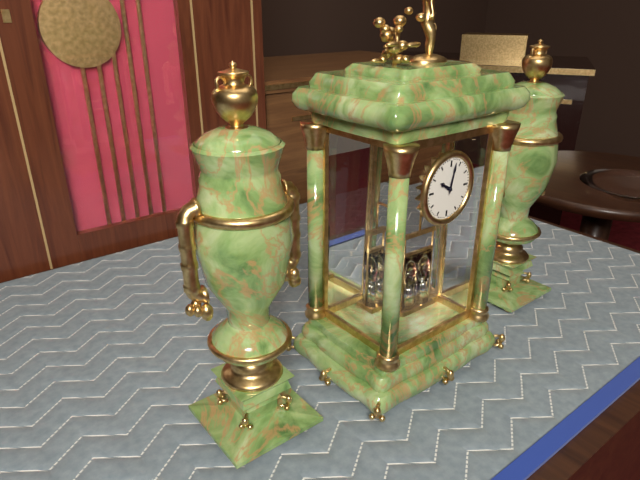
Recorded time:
{"hour": 10, "minute": 2}
